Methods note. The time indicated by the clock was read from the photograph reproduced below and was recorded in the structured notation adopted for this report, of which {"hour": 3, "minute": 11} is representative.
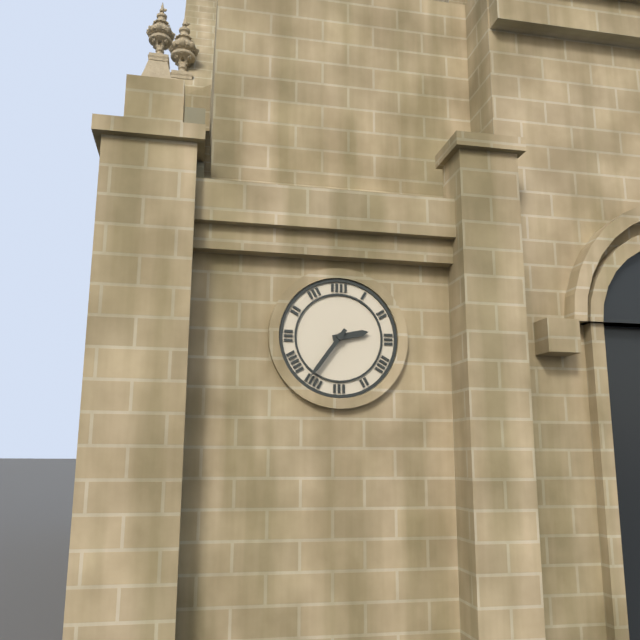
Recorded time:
{"hour": 2, "minute": 36}
